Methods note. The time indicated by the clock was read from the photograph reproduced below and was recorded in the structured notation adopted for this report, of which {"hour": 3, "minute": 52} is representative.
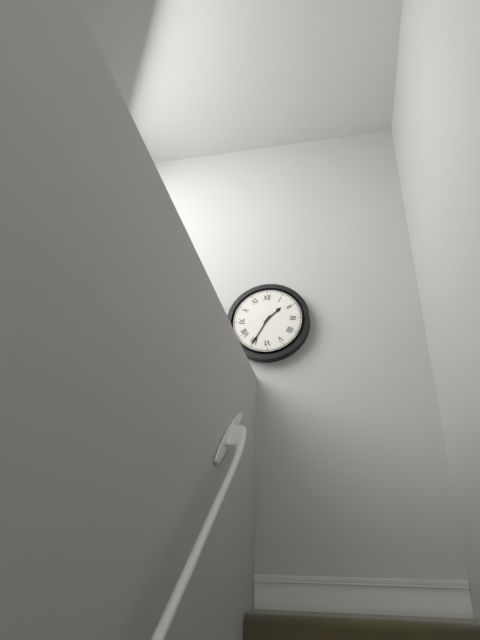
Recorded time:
{"hour": 1, "minute": 35}
